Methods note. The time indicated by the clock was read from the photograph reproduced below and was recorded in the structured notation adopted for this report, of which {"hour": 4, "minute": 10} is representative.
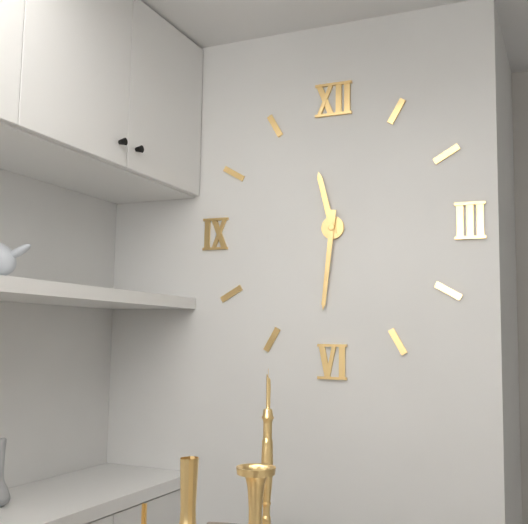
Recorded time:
{"hour": 11, "minute": 31}
